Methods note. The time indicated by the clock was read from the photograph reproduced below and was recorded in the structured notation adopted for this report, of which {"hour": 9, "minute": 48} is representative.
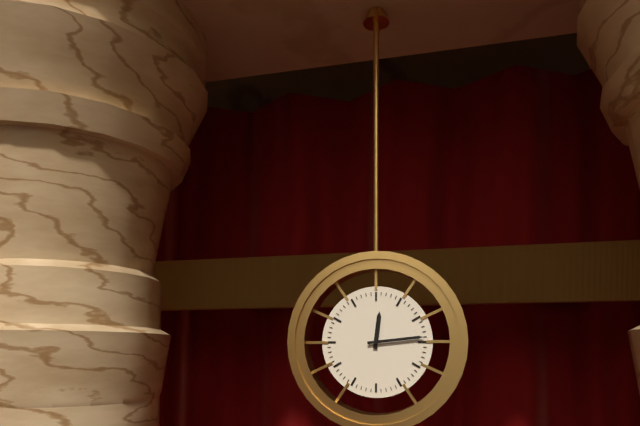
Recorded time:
{"hour": 12, "minute": 14}
